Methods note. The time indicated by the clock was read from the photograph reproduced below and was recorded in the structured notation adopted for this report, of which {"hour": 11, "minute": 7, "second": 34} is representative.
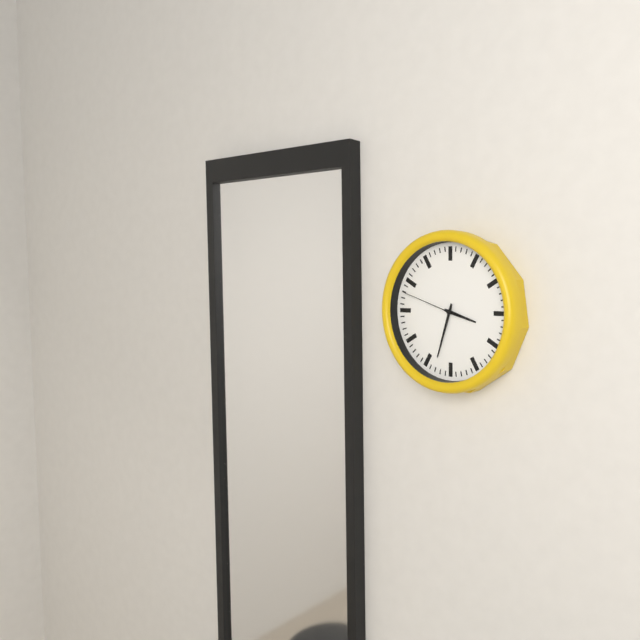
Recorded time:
{"hour": 3, "minute": 33, "second": 48}
